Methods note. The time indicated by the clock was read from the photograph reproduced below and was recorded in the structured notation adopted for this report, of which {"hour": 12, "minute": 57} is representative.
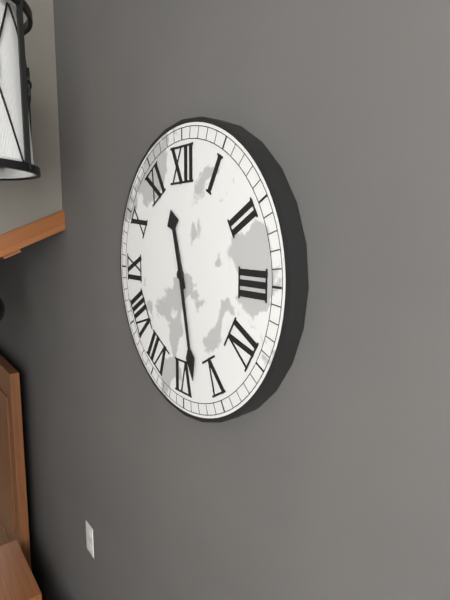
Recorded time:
{"hour": 11, "minute": 28}
